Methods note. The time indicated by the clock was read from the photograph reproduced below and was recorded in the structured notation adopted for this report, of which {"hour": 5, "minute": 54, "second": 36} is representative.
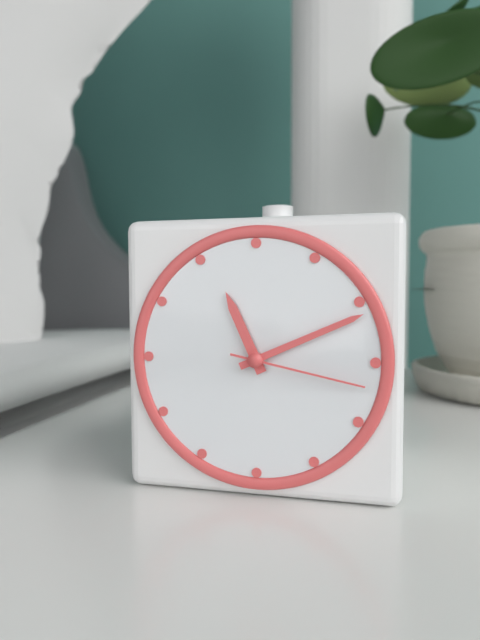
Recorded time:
{"hour": 11, "minute": 11, "second": 17}
